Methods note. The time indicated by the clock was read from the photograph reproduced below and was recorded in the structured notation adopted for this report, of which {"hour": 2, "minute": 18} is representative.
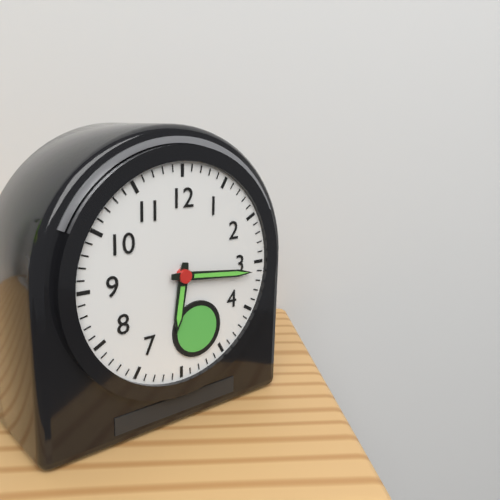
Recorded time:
{"hour": 6, "minute": 16}
